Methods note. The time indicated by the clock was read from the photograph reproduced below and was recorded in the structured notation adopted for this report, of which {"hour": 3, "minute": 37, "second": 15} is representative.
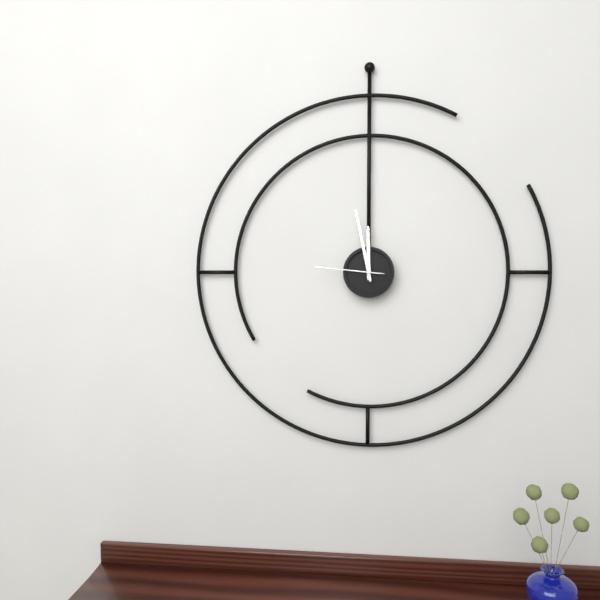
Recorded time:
{"hour": 11, "minute": 58, "second": 46}
